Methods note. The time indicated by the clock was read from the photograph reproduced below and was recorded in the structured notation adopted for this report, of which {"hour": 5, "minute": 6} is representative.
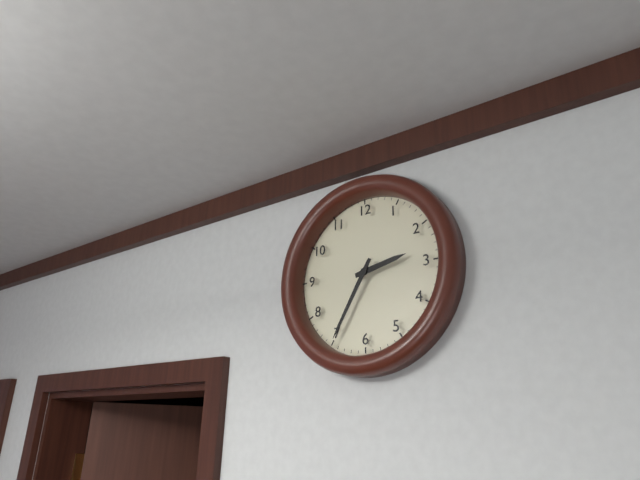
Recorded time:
{"hour": 2, "minute": 35}
